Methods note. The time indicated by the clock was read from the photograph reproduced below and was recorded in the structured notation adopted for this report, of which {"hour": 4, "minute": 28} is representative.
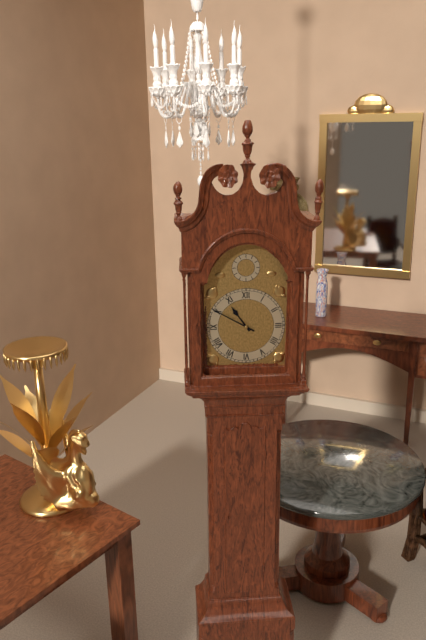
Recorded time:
{"hour": 10, "minute": 50}
